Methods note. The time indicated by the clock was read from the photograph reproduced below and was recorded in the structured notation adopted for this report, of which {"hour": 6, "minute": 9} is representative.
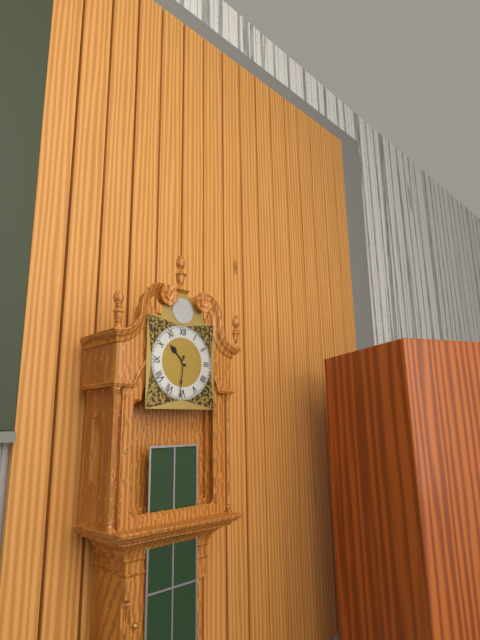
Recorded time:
{"hour": 10, "minute": 31}
